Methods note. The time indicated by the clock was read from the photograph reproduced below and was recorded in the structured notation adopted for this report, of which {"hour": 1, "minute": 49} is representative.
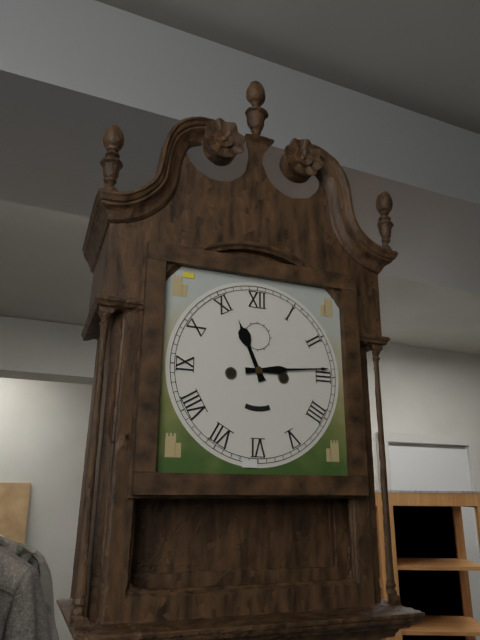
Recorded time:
{"hour": 11, "minute": 14}
